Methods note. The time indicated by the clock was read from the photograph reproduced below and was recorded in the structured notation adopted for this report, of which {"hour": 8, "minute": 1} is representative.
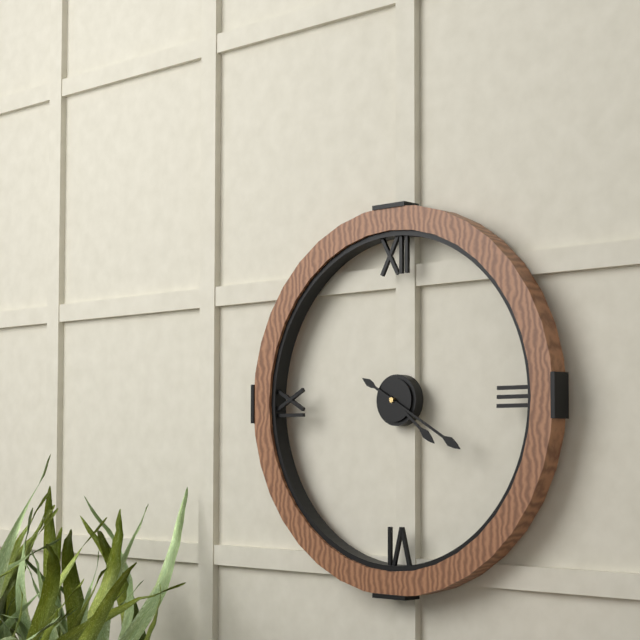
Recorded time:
{"hour": 4, "minute": 20}
